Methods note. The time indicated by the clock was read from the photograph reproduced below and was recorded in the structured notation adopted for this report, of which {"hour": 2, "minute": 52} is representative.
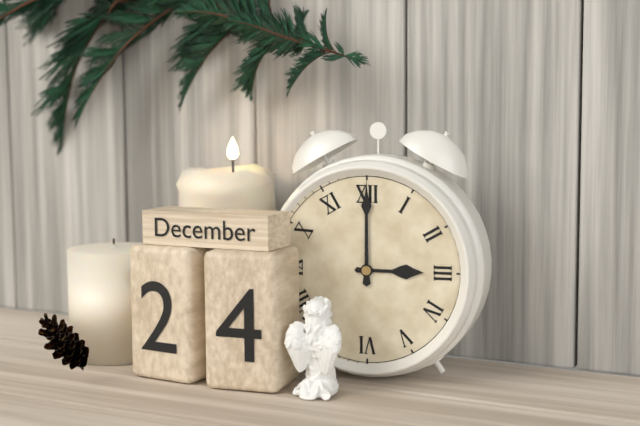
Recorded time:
{"hour": 3, "minute": 0}
